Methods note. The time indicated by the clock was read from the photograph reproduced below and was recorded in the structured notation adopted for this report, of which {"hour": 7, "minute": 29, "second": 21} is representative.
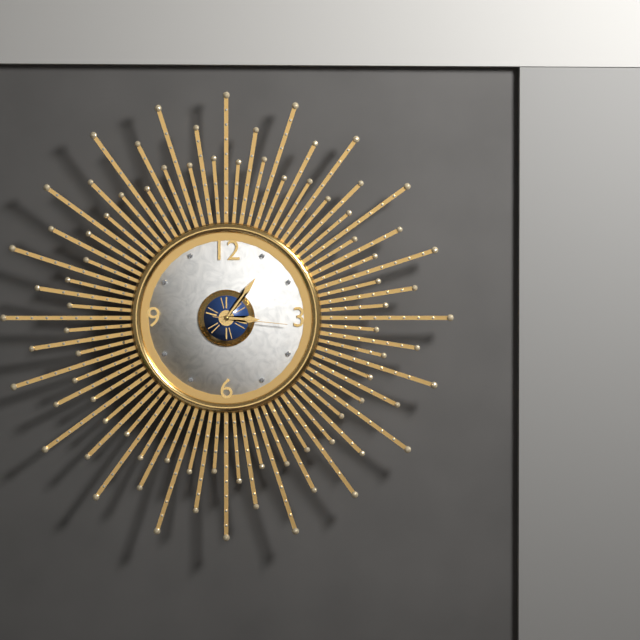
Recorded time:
{"hour": 3, "minute": 6, "second": 16}
